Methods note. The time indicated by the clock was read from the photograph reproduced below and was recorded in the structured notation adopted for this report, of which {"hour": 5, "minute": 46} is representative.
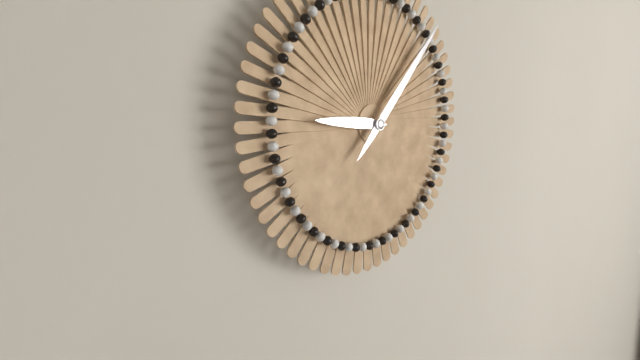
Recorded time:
{"hour": 9, "minute": 7}
